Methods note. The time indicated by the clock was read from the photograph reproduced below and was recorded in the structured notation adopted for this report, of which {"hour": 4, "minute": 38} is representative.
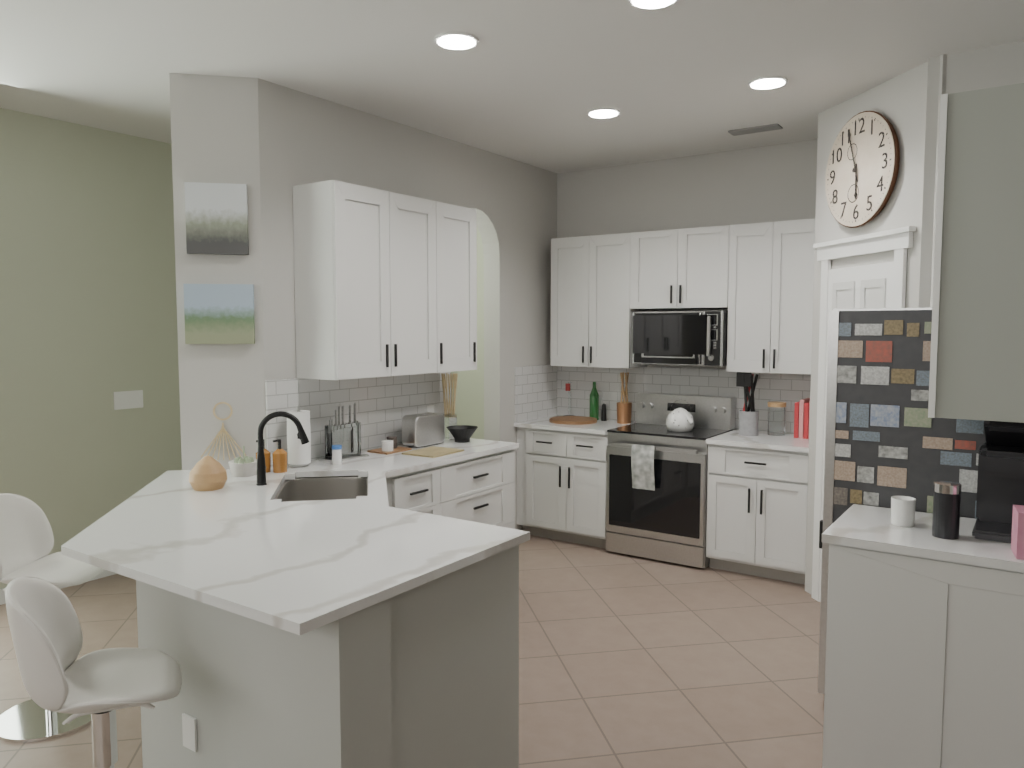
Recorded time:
{"hour": 5, "minute": 57}
